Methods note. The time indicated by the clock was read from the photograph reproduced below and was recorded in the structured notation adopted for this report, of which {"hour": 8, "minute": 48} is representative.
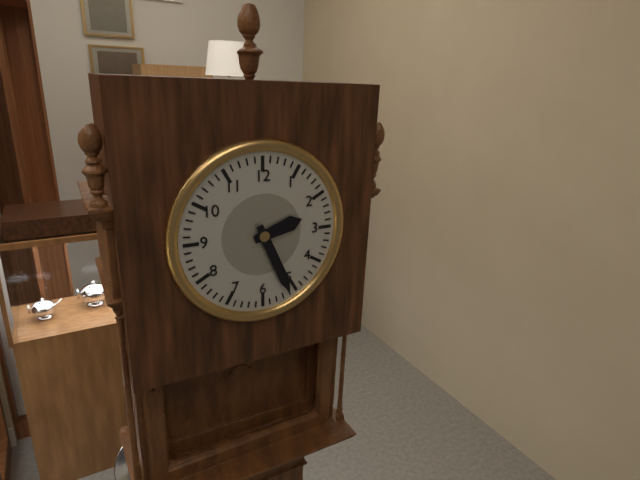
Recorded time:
{"hour": 2, "minute": 26}
